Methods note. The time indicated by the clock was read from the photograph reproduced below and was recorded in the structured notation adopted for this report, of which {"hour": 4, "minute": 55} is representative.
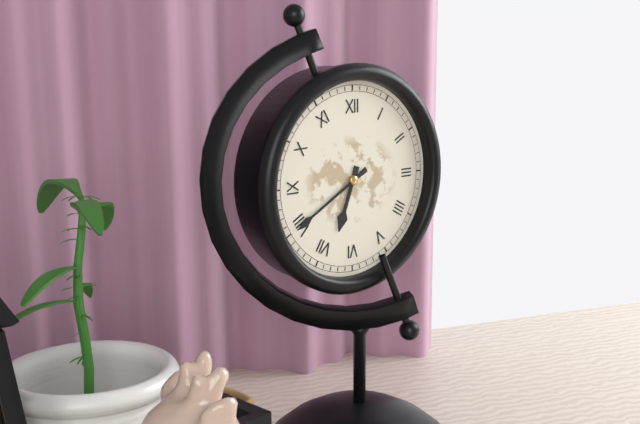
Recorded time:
{"hour": 6, "minute": 40}
